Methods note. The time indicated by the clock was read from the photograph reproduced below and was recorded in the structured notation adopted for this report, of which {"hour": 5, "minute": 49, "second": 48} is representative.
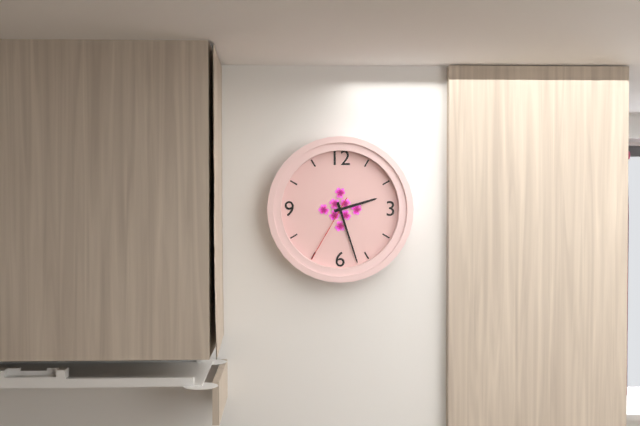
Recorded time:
{"hour": 2, "minute": 27, "second": 35}
